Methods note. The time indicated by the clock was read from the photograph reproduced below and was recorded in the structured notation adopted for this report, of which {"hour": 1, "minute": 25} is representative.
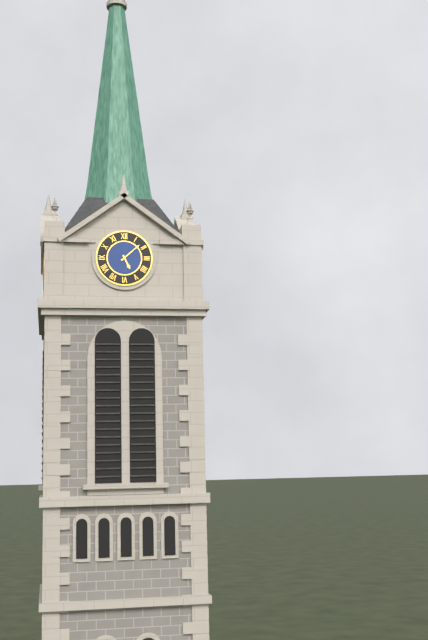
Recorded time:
{"hour": 5, "minute": 8}
